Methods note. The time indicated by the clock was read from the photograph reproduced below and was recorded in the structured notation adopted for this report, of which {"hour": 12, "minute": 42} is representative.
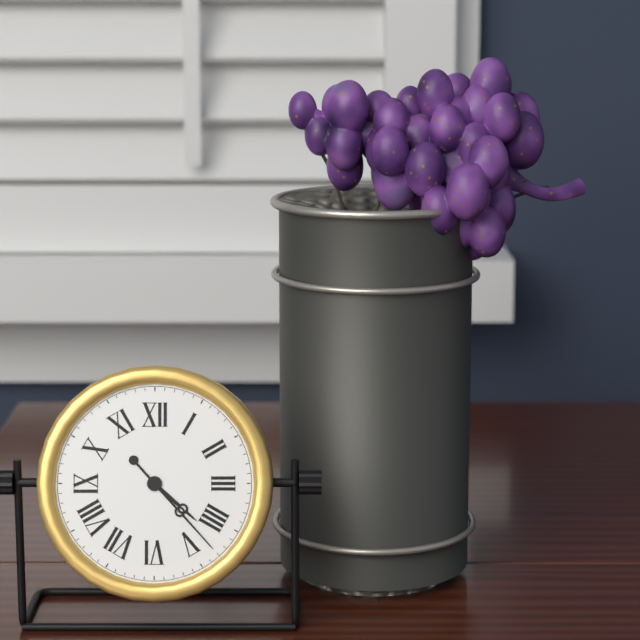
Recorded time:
{"hour": 4, "minute": 23}
